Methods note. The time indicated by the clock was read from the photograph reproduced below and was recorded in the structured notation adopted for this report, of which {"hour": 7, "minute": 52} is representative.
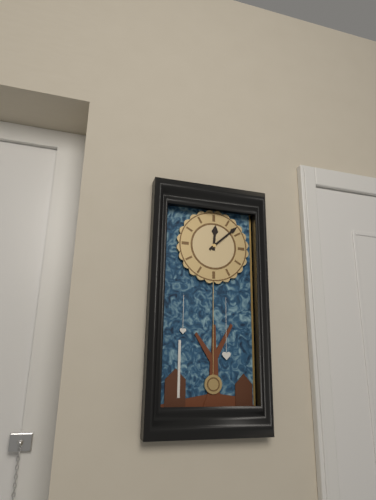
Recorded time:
{"hour": 12, "minute": 8}
